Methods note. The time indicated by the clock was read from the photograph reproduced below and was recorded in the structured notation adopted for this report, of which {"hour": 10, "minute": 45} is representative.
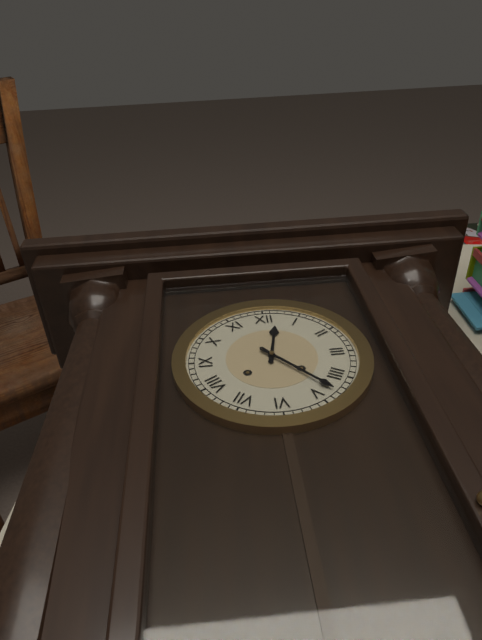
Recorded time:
{"hour": 12, "minute": 23}
